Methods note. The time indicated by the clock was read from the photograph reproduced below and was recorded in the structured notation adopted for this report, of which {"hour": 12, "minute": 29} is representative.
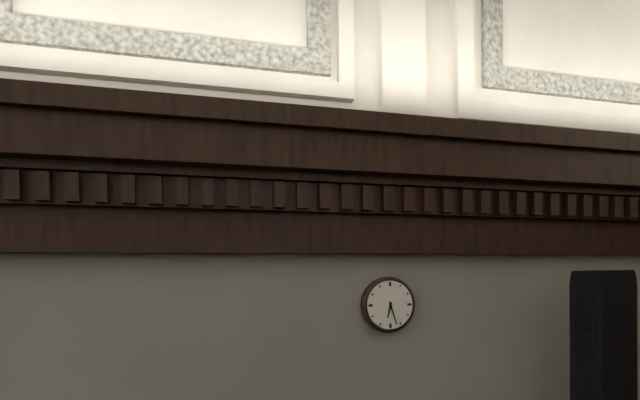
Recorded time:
{"hour": 6, "minute": 27}
